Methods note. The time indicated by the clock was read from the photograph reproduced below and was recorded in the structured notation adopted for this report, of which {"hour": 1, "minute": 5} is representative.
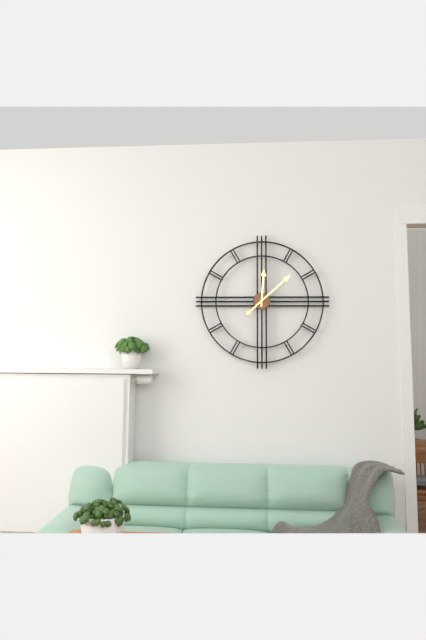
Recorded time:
{"hour": 12, "minute": 8}
